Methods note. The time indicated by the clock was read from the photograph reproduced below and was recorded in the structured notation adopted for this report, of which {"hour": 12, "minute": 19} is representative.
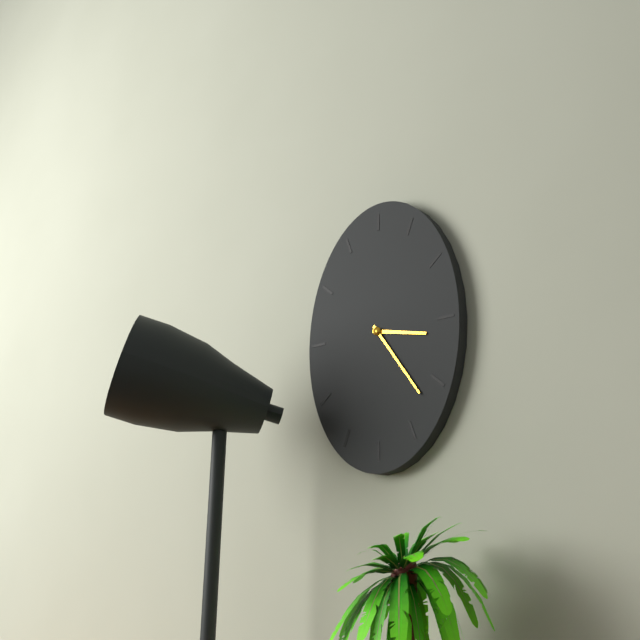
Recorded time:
{"hour": 3, "minute": 24}
